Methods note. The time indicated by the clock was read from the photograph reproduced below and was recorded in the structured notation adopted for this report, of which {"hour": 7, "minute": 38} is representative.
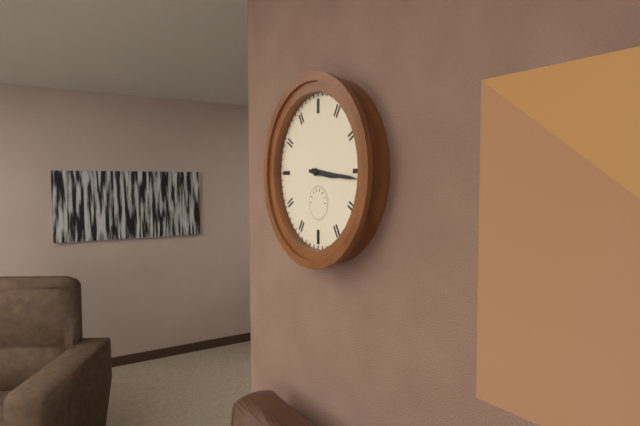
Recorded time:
{"hour": 3, "minute": 16}
